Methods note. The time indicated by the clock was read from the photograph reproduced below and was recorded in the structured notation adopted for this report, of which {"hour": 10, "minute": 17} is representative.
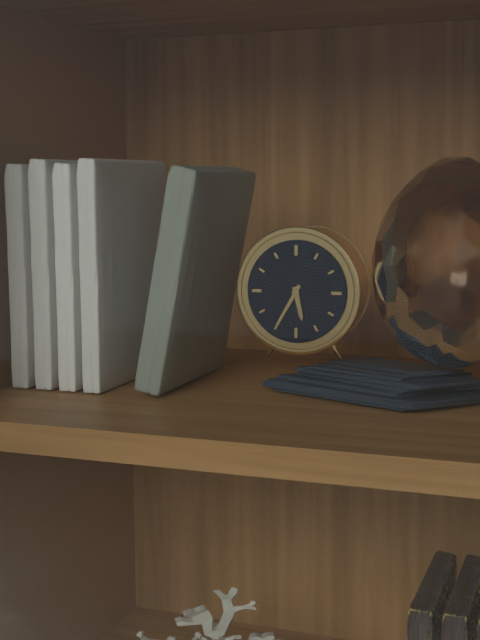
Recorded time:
{"hour": 5, "minute": 35}
